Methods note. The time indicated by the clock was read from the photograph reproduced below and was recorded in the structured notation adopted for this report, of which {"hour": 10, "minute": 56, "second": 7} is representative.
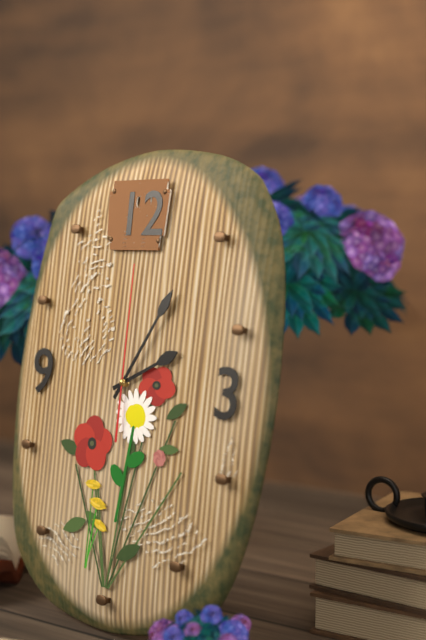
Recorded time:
{"hour": 2, "minute": 5, "second": 0}
